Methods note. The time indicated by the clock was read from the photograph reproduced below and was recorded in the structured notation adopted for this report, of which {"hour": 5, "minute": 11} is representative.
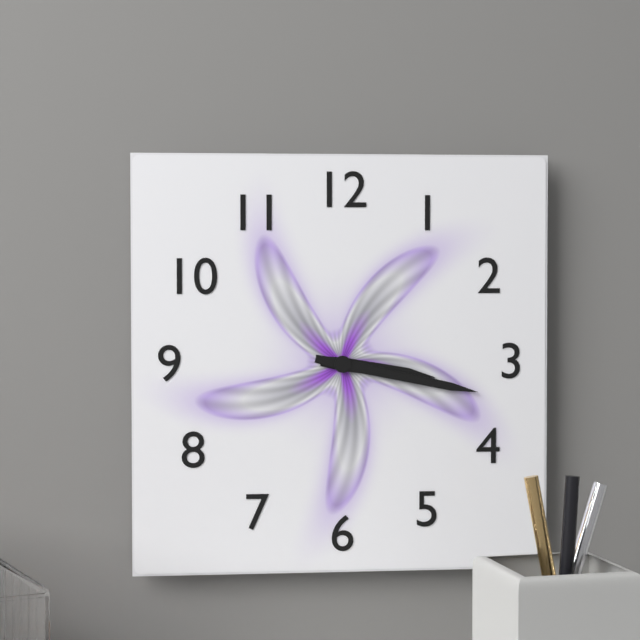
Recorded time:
{"hour": 3, "minute": 17}
